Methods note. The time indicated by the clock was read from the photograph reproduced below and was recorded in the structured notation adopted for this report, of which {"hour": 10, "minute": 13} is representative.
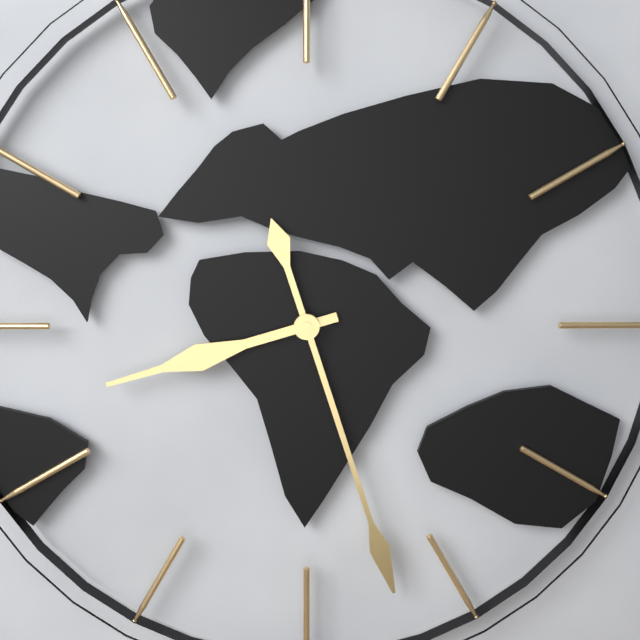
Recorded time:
{"hour": 8, "minute": 27}
